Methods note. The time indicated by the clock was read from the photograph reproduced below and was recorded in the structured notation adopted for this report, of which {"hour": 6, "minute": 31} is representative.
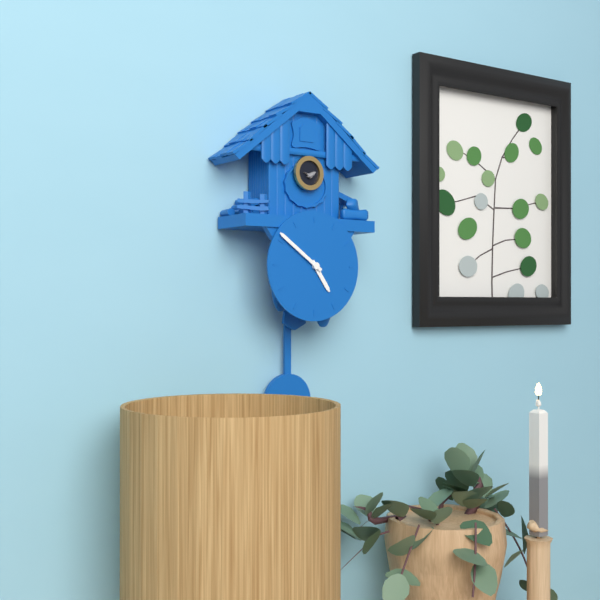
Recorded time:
{"hour": 4, "minute": 51}
